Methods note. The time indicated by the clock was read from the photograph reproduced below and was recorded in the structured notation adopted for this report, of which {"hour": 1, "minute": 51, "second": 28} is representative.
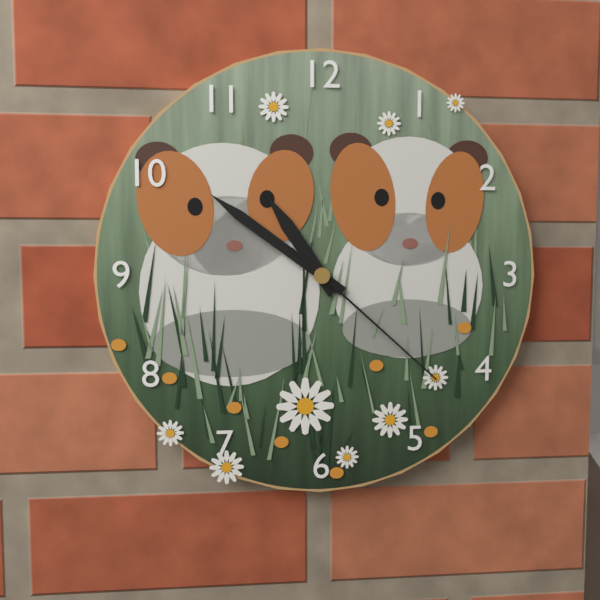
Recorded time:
{"hour": 10, "minute": 51, "second": 22}
